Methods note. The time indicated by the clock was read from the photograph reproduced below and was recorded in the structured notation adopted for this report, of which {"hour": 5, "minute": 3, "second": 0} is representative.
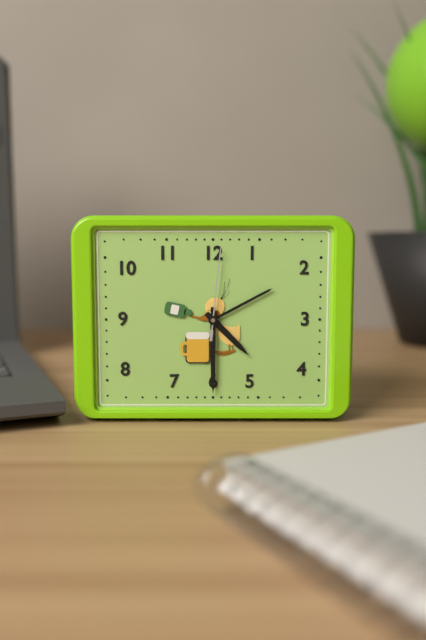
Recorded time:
{"hour": 4, "minute": 30, "second": 1}
